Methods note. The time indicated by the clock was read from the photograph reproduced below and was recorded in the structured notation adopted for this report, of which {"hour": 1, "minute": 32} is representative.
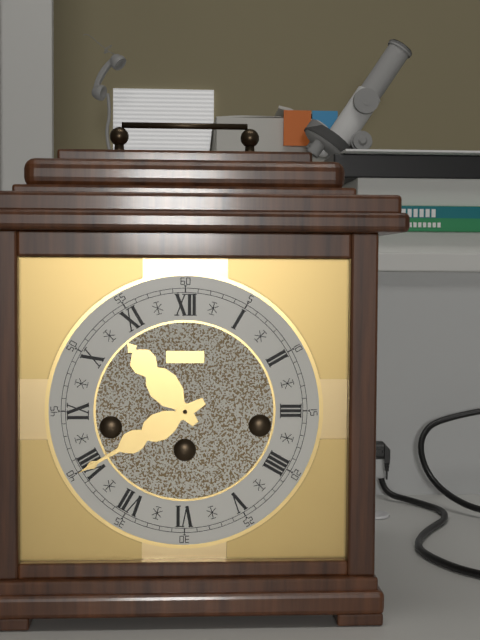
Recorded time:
{"hour": 10, "minute": 40}
